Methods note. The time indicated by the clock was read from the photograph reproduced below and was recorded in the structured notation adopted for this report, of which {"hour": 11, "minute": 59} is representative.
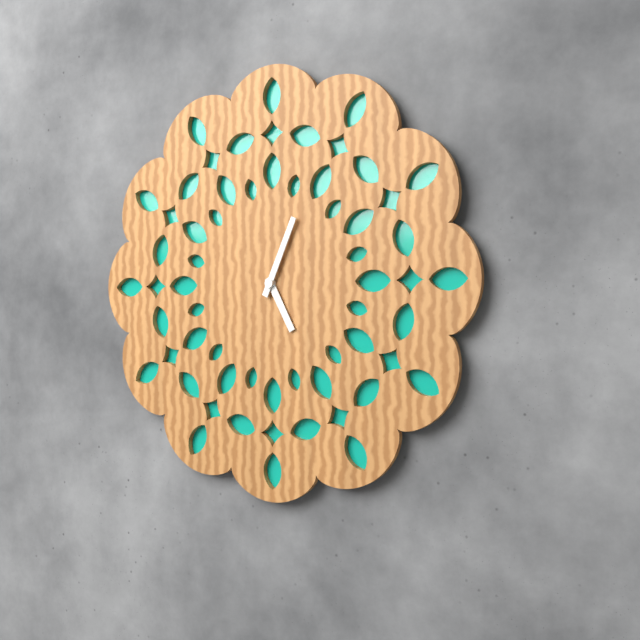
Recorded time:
{"hour": 5, "minute": 4}
